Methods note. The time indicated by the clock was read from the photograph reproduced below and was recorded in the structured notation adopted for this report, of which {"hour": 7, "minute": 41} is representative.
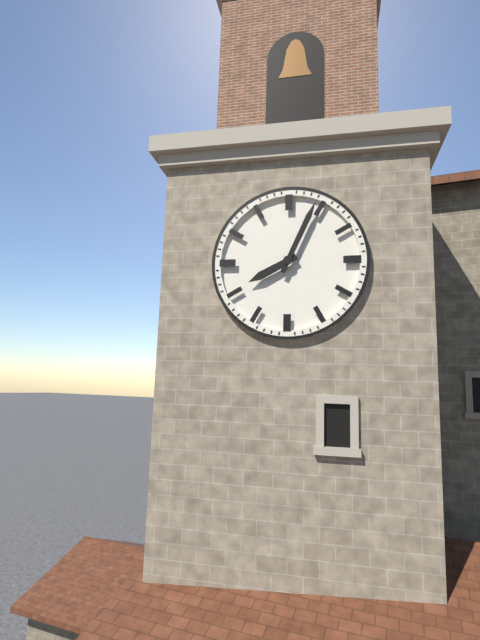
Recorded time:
{"hour": 8, "minute": 4}
